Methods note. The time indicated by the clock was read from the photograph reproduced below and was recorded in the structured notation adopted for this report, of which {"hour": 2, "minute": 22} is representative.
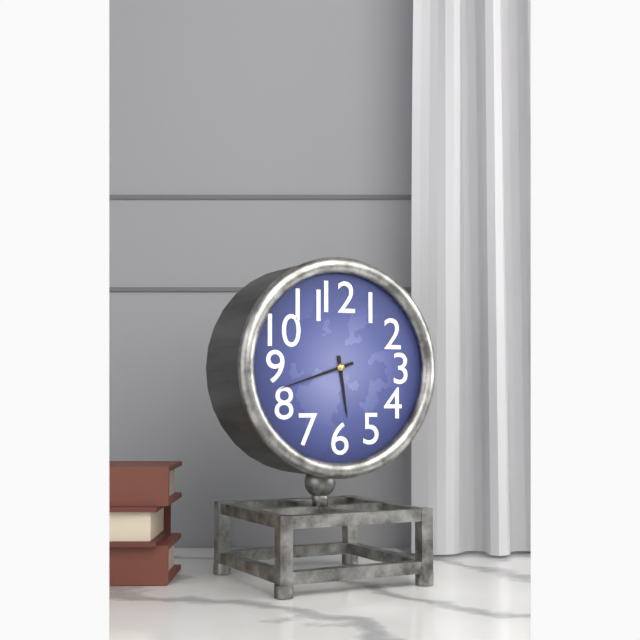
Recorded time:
{"hour": 5, "minute": 42}
